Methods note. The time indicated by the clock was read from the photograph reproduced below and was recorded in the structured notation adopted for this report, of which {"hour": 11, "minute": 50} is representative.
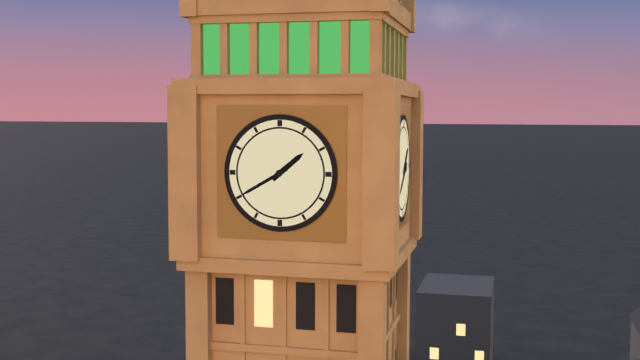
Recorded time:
{"hour": 1, "minute": 40}
